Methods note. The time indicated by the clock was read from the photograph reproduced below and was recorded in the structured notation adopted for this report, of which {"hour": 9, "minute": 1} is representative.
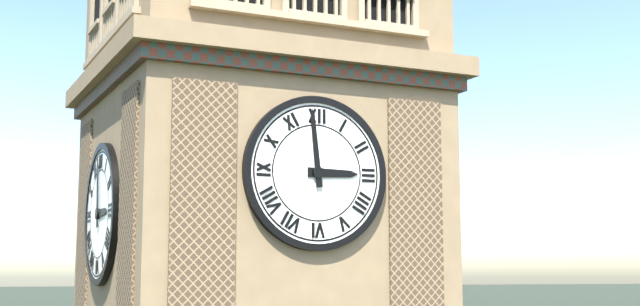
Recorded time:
{"hour": 2, "minute": 59}
